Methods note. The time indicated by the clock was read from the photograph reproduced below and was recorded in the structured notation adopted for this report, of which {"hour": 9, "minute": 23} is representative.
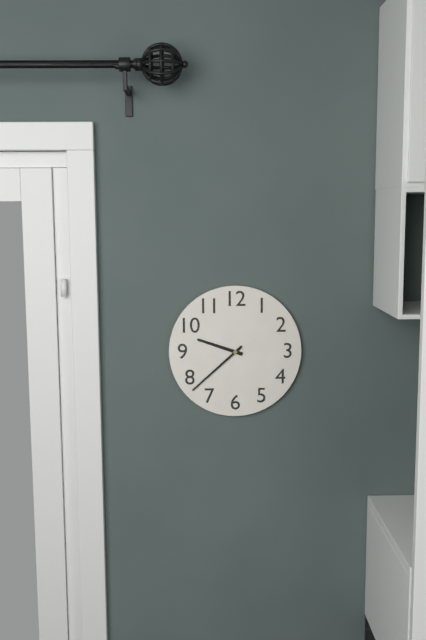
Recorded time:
{"hour": 9, "minute": 38}
